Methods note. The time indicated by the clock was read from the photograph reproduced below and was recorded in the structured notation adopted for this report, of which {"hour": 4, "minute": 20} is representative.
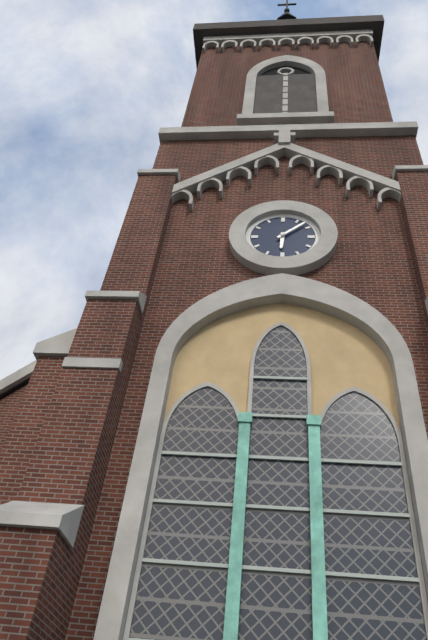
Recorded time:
{"hour": 6, "minute": 8}
